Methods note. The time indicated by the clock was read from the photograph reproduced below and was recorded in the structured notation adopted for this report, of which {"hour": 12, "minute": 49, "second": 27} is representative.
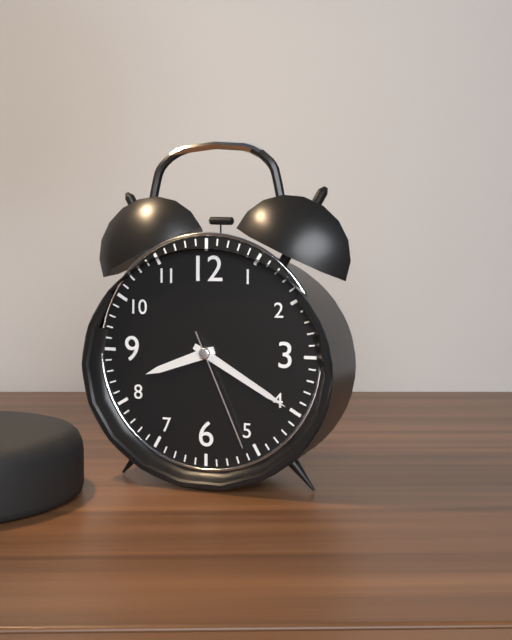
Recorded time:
{"hour": 8, "minute": 20, "second": 26}
